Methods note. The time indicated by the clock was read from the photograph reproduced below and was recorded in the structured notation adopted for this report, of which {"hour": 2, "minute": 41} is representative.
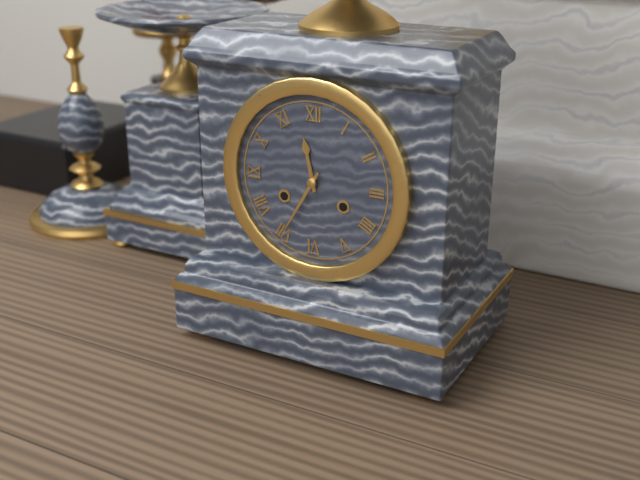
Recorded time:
{"hour": 11, "minute": 35}
